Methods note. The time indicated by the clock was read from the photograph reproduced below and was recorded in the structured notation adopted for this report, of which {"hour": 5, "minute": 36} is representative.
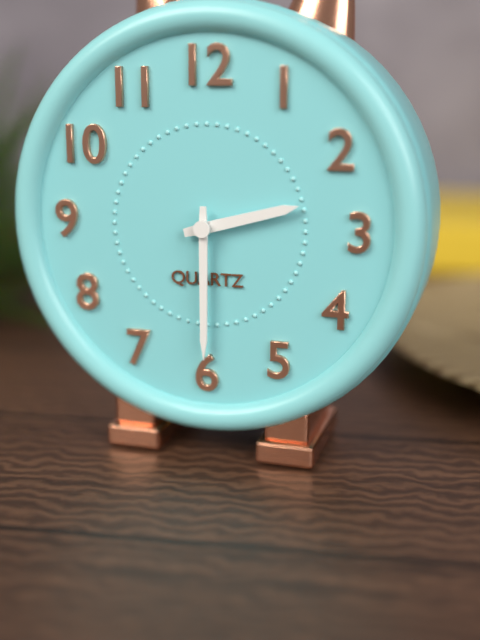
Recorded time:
{"hour": 2, "minute": 30}
